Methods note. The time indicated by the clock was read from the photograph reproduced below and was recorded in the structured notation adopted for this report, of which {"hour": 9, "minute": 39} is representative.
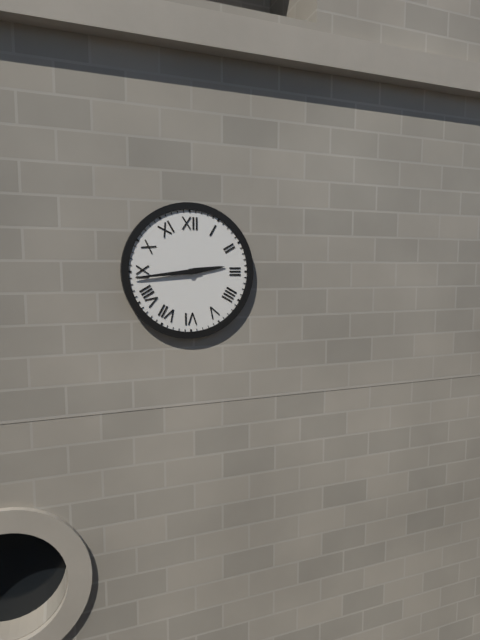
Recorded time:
{"hour": 2, "minute": 44}
